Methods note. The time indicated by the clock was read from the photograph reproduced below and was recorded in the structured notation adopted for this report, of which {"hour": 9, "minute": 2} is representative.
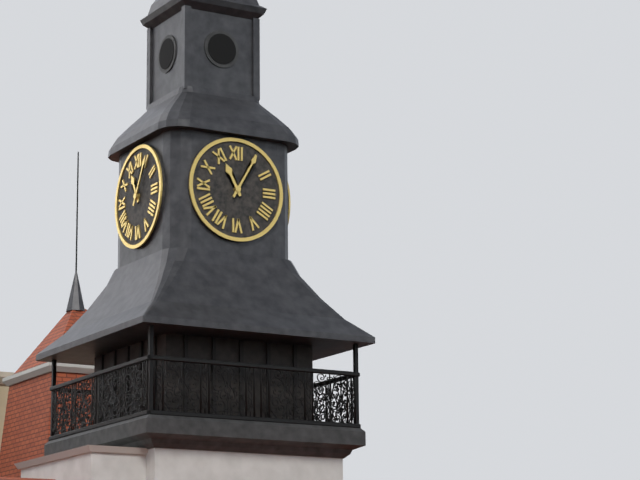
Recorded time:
{"hour": 11, "minute": 5}
